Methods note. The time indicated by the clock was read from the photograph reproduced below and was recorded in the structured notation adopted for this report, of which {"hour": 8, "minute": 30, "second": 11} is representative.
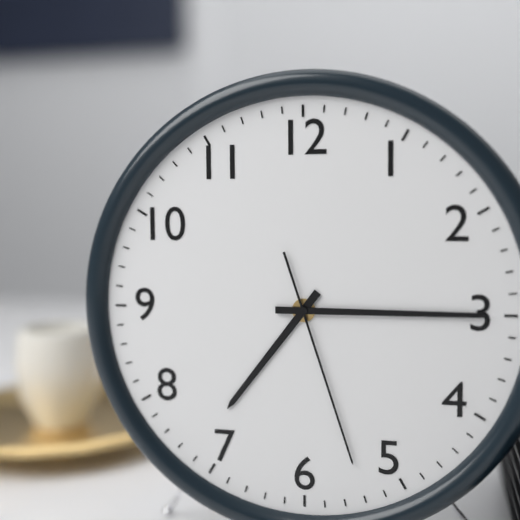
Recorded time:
{"hour": 7, "minute": 15, "second": 27}
